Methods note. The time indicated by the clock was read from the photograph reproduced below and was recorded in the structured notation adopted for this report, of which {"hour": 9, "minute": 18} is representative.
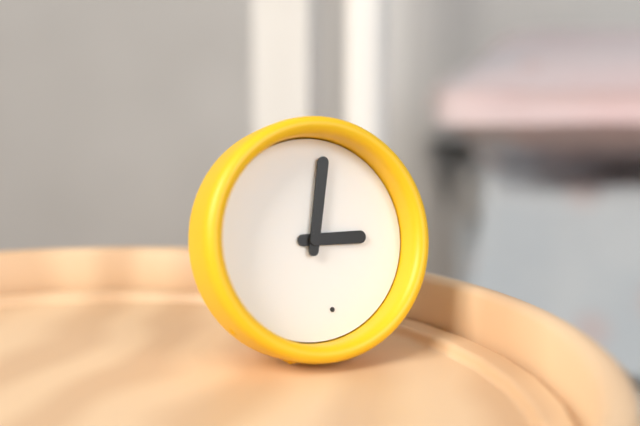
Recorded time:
{"hour": 3, "minute": 2}
